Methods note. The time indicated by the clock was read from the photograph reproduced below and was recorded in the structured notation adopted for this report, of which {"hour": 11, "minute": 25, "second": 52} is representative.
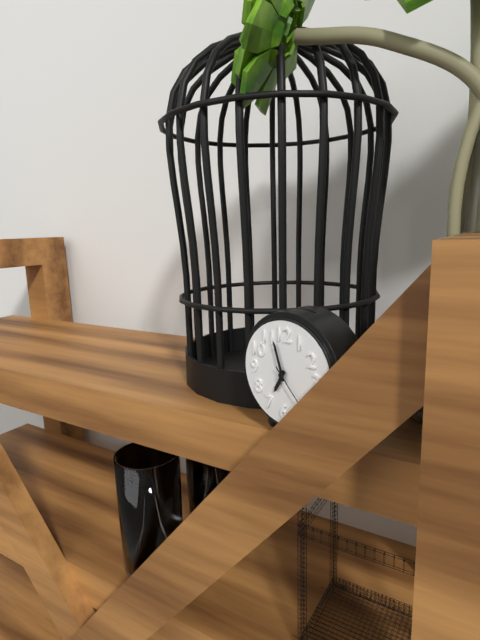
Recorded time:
{"hour": 6, "minute": 57, "second": 23}
